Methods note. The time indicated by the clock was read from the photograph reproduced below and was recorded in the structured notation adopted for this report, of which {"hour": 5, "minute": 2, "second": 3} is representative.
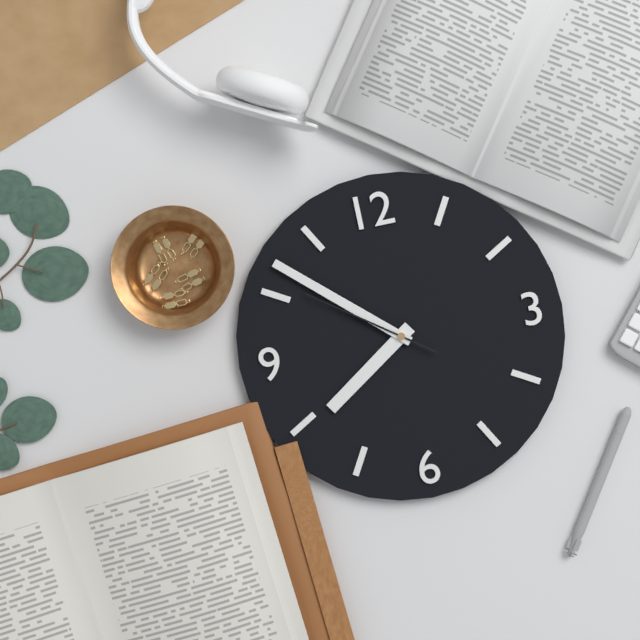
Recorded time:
{"hour": 7, "minute": 52, "second": 51}
